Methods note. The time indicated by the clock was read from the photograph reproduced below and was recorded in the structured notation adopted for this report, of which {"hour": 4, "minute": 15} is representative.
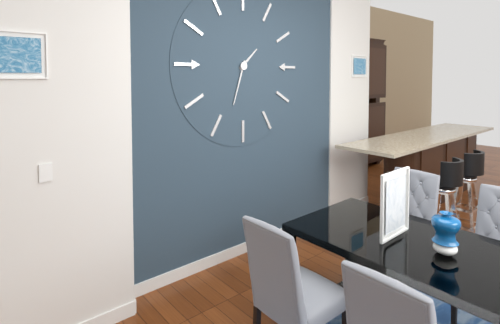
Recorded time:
{"hour": 1, "minute": 33}
